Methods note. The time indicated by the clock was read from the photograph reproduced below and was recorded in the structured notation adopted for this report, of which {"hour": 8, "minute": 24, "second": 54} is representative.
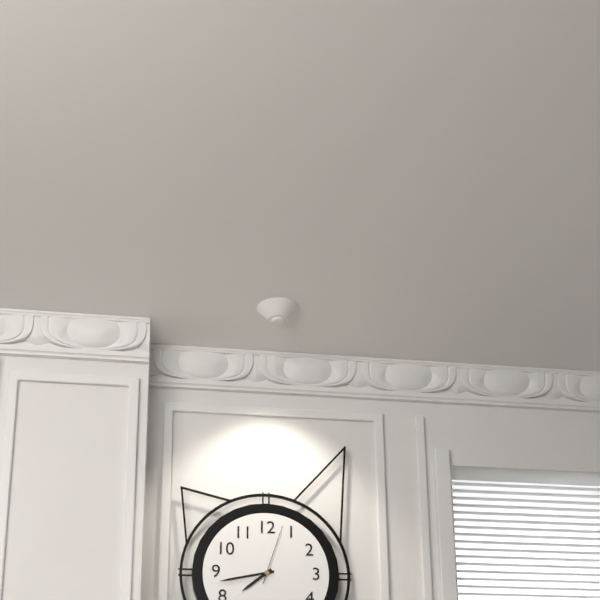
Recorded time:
{"hour": 7, "minute": 43, "second": 3}
